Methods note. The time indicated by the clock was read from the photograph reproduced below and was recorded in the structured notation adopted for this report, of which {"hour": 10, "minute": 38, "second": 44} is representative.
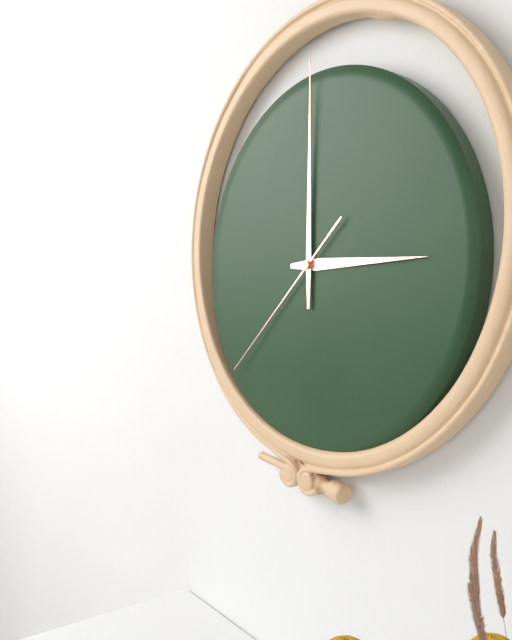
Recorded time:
{"hour": 3, "minute": 0, "second": 38}
